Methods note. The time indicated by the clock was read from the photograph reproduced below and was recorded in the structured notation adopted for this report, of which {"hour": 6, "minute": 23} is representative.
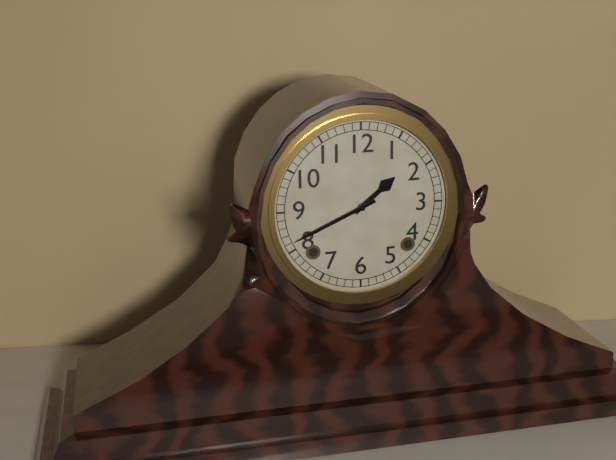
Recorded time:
{"hour": 1, "minute": 41}
